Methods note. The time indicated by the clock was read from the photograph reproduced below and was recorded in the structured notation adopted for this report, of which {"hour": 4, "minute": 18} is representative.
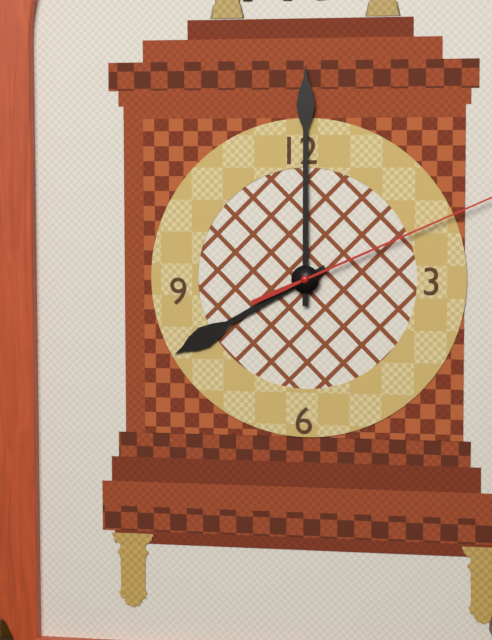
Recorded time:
{"hour": 8, "minute": 0}
